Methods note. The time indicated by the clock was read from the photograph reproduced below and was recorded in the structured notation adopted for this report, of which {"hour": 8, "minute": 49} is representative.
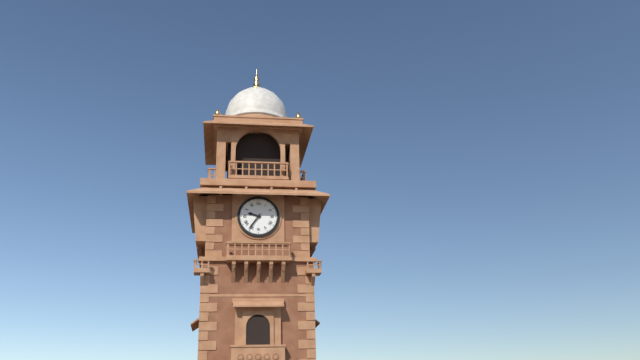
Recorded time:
{"hour": 9, "minute": 36}
